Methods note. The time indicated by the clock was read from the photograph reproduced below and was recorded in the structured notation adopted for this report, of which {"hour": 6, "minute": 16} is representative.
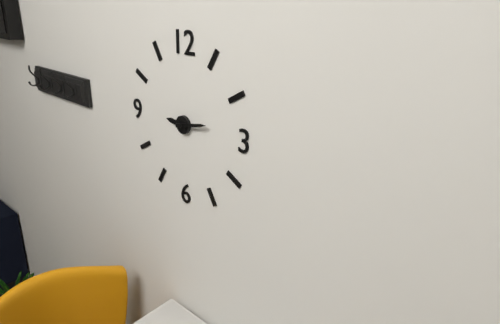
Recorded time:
{"hour": 9, "minute": 13}
